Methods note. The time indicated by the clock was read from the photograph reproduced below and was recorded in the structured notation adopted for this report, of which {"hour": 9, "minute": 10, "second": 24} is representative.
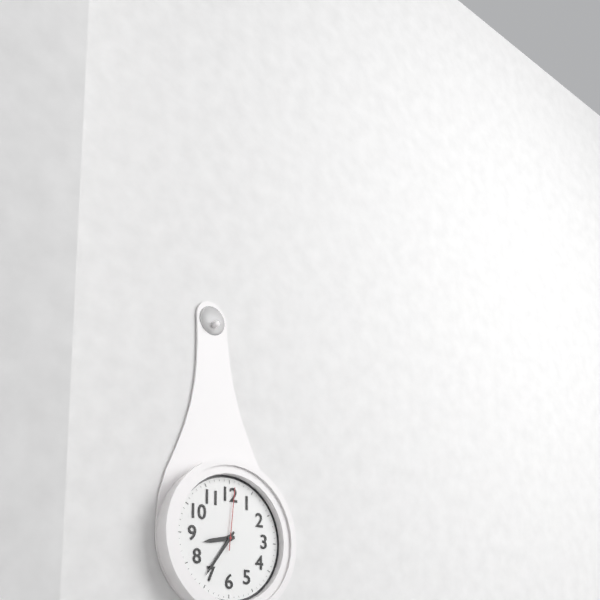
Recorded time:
{"hour": 8, "minute": 36, "second": 1}
